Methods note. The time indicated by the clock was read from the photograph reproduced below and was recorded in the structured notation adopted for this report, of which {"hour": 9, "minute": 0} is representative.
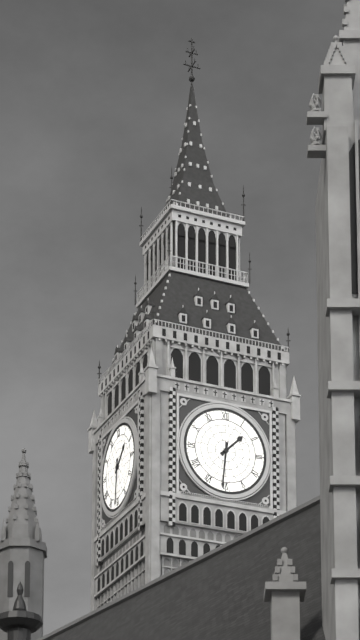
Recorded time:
{"hour": 1, "minute": 31}
